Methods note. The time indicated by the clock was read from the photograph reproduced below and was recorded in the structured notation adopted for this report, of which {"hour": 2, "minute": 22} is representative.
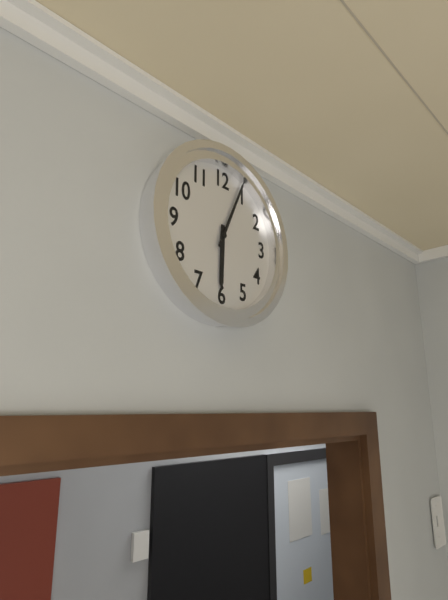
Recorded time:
{"hour": 6, "minute": 4}
